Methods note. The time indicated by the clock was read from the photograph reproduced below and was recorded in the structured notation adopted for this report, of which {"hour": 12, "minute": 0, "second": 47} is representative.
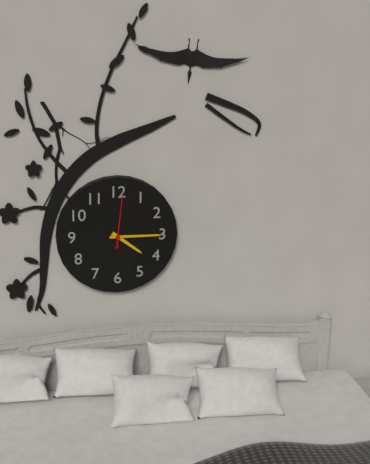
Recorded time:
{"hour": 4, "minute": 15, "second": 1}
